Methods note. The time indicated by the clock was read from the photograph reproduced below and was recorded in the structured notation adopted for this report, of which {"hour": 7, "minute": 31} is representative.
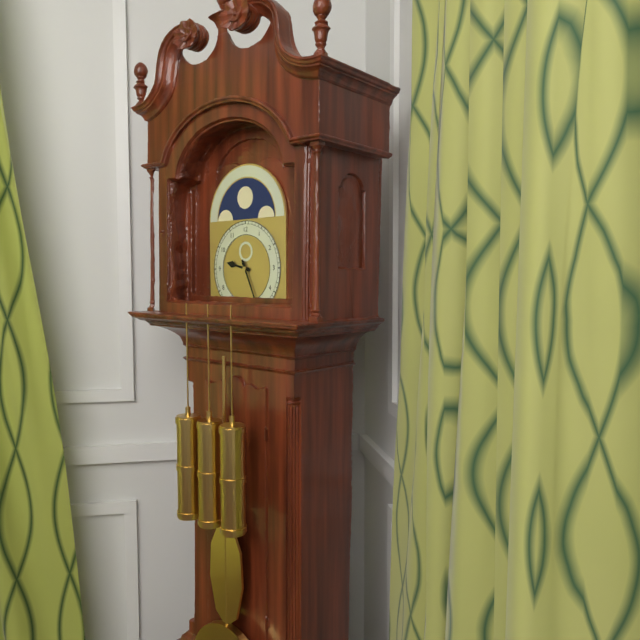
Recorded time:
{"hour": 9, "minute": 26}
